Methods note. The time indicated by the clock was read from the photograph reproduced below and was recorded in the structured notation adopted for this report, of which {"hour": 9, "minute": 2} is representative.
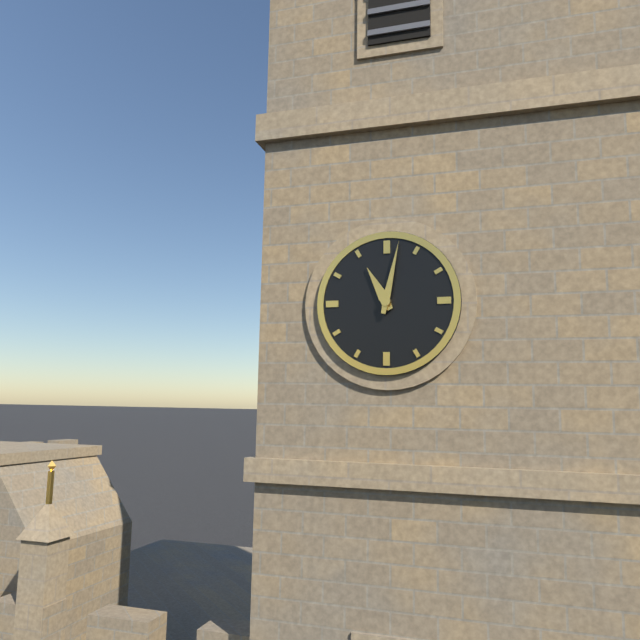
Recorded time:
{"hour": 11, "minute": 2}
